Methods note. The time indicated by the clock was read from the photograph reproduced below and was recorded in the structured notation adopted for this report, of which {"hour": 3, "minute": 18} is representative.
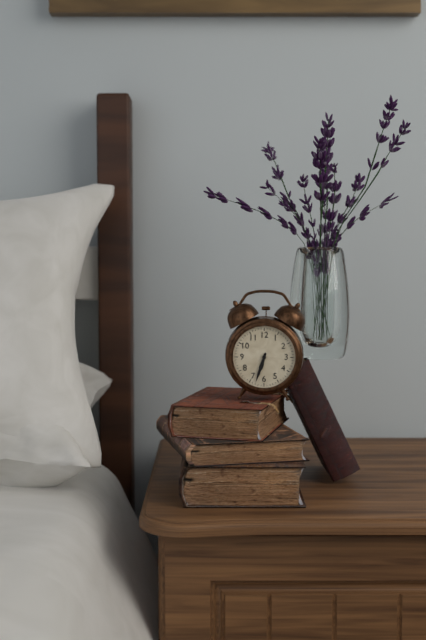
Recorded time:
{"hour": 6, "minute": 33}
